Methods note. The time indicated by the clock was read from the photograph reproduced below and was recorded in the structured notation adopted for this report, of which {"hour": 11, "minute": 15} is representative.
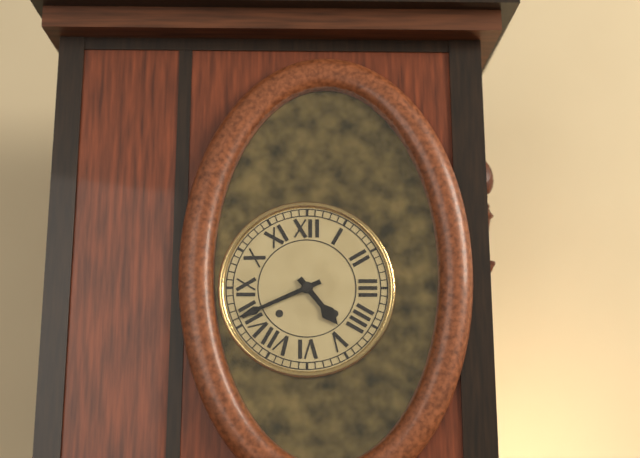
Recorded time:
{"hour": 4, "minute": 41}
